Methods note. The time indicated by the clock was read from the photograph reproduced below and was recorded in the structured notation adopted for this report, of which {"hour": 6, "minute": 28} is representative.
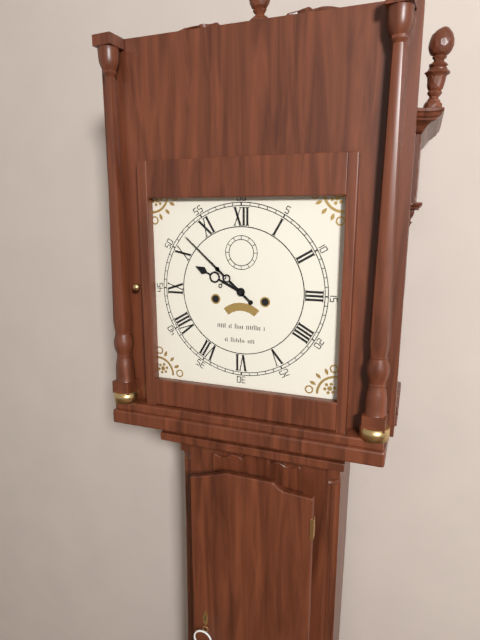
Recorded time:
{"hour": 9, "minute": 52}
